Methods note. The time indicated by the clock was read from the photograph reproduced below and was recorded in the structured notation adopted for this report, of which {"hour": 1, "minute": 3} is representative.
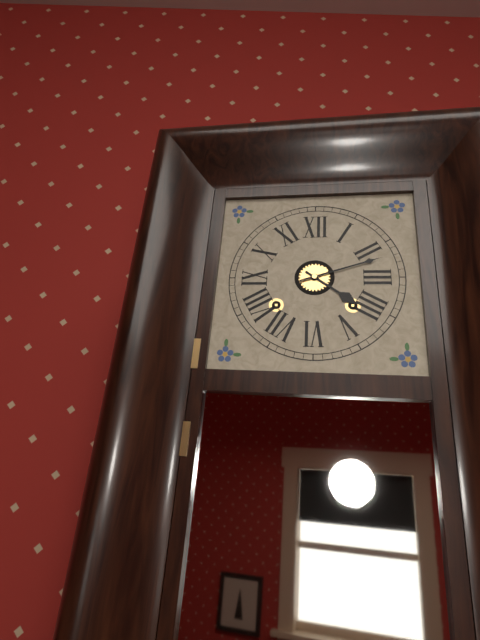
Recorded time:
{"hour": 4, "minute": 12}
